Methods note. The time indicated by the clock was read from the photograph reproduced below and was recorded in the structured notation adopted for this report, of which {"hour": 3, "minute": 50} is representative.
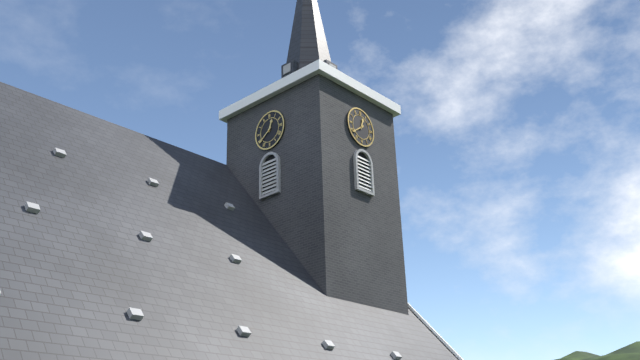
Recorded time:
{"hour": 12, "minute": 39}
